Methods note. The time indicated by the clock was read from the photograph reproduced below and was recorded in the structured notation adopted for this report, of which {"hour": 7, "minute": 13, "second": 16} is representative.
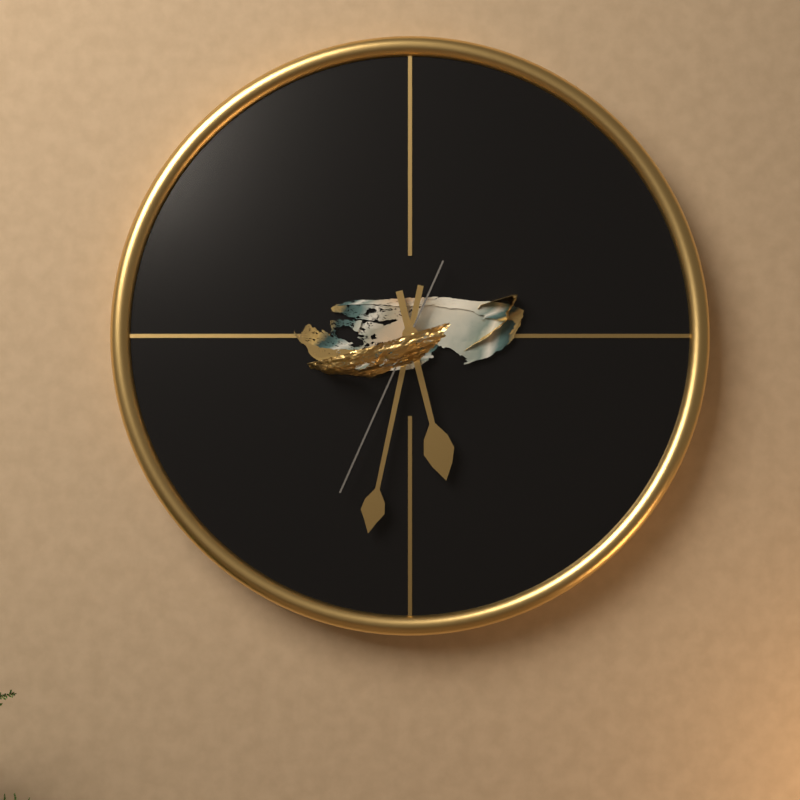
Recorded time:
{"hour": 5, "minute": 32, "second": 34}
